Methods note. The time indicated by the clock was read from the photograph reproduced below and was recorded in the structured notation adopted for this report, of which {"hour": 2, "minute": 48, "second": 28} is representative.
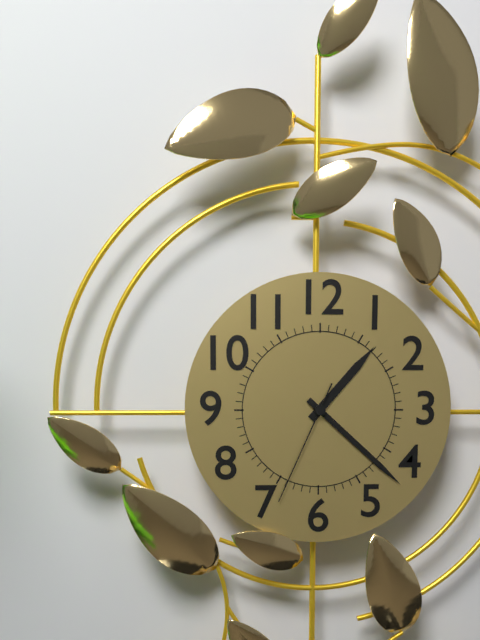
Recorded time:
{"hour": 1, "minute": 22, "second": 34}
